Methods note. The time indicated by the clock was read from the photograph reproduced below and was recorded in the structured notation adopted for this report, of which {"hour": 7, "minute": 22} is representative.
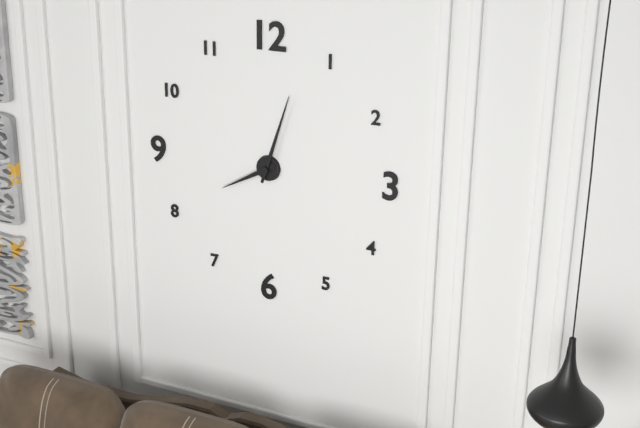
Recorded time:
{"hour": 8, "minute": 3}
